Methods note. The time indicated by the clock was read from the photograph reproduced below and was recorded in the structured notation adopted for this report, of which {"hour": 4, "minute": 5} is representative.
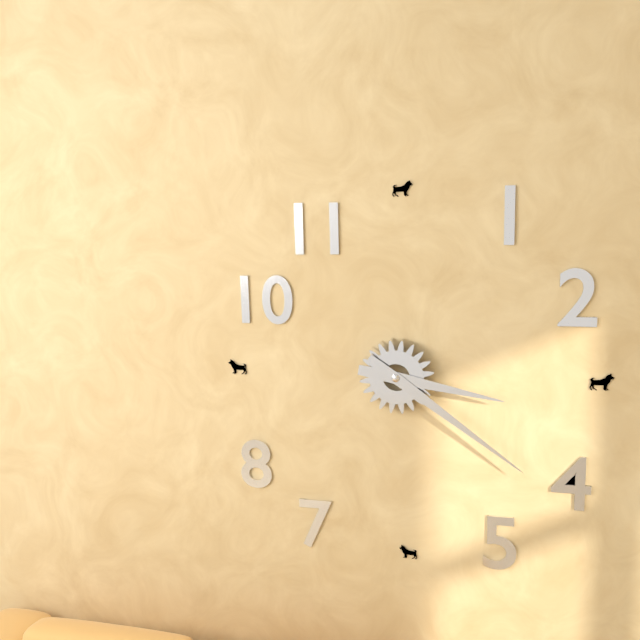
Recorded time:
{"hour": 3, "minute": 21}
